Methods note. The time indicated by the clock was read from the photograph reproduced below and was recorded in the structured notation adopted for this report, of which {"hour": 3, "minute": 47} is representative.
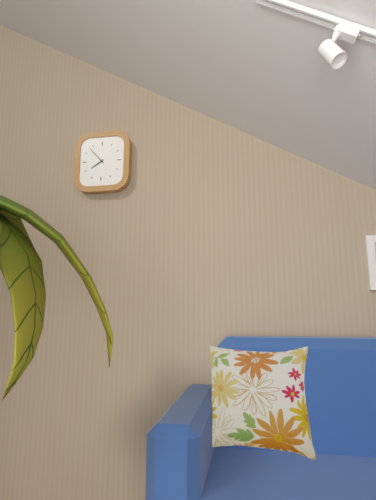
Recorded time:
{"hour": 7, "minute": 53}
